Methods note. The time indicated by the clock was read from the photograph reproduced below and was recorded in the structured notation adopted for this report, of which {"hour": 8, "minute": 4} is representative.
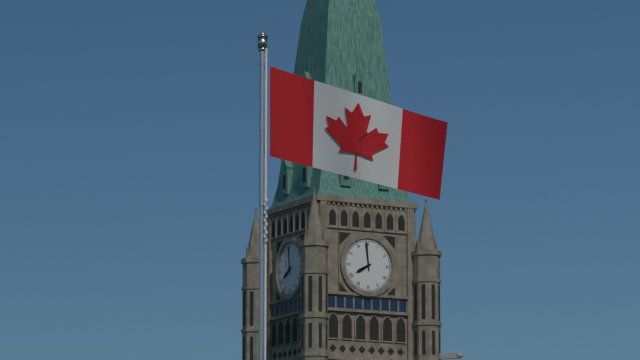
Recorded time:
{"hour": 7, "minute": 59}
